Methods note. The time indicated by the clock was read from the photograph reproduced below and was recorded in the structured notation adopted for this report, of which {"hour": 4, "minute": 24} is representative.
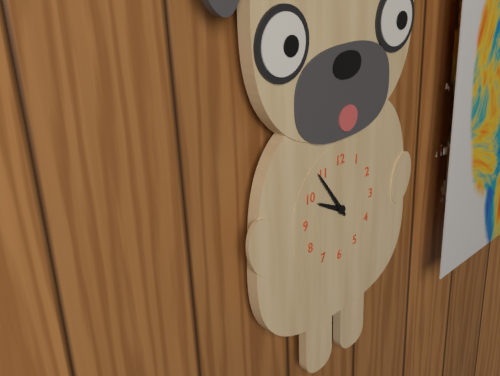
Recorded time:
{"hour": 9, "minute": 54}
